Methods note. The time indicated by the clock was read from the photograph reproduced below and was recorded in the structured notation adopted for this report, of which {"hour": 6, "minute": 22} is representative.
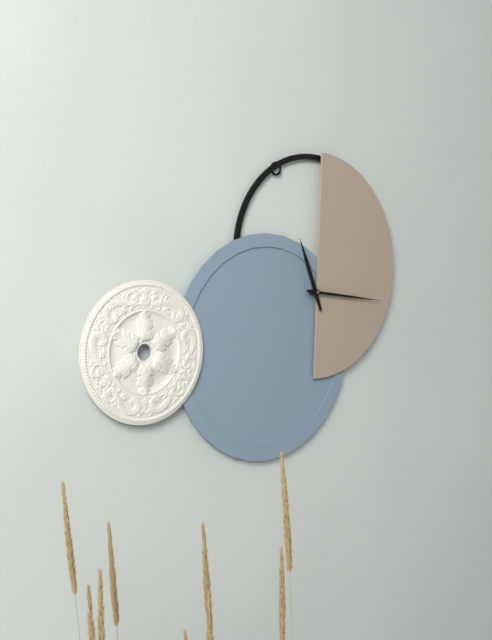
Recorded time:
{"hour": 11, "minute": 16}
